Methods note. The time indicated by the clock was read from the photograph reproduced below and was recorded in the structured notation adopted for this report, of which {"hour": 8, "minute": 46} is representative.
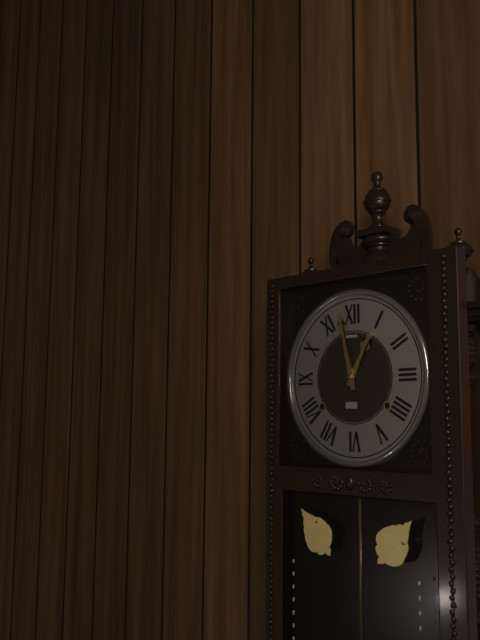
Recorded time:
{"hour": 12, "minute": 58}
